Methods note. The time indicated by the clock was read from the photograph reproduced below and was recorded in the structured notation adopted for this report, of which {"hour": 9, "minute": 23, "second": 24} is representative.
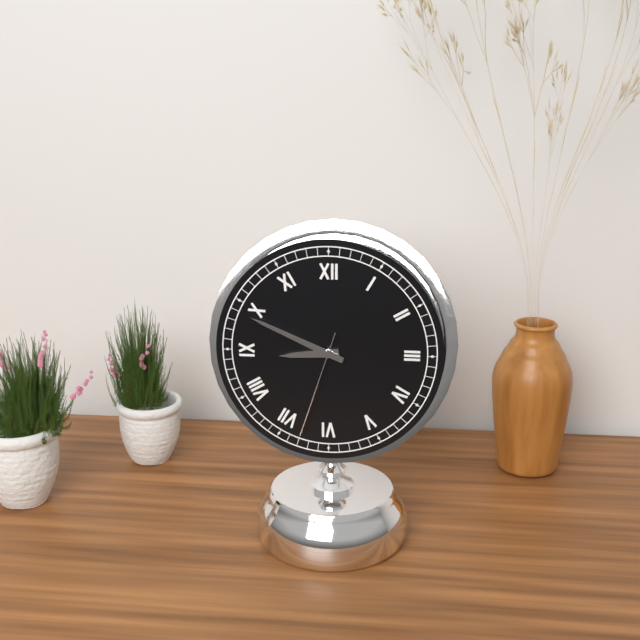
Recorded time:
{"hour": 8, "minute": 49, "second": 33}
